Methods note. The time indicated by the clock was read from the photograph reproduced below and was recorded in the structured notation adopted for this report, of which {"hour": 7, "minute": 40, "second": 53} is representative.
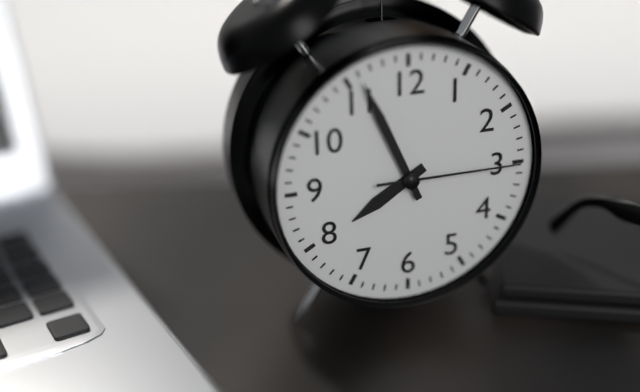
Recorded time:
{"hour": 7, "minute": 56, "second": 15}
